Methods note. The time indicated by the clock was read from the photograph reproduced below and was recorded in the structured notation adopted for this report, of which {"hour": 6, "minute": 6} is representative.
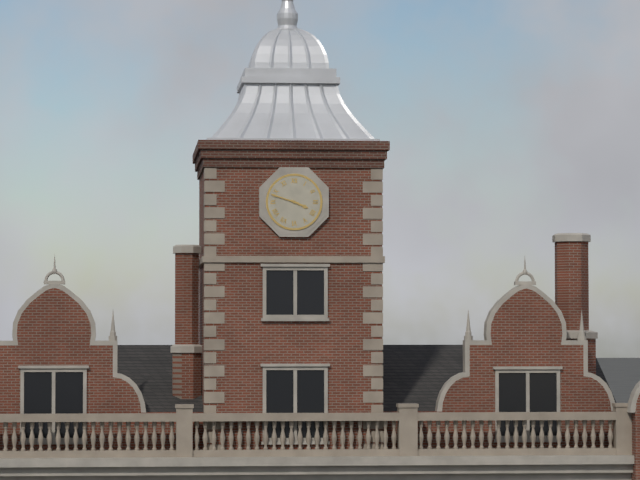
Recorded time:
{"hour": 3, "minute": 48}
